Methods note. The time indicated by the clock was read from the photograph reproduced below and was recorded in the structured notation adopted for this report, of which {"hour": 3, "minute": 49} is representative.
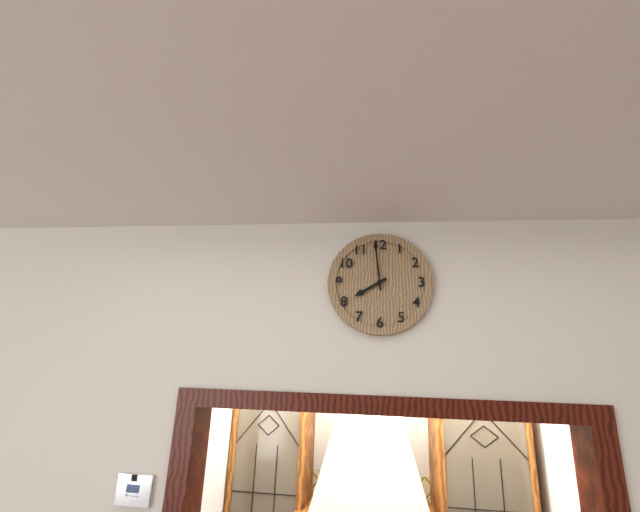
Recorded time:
{"hour": 7, "minute": 59}
